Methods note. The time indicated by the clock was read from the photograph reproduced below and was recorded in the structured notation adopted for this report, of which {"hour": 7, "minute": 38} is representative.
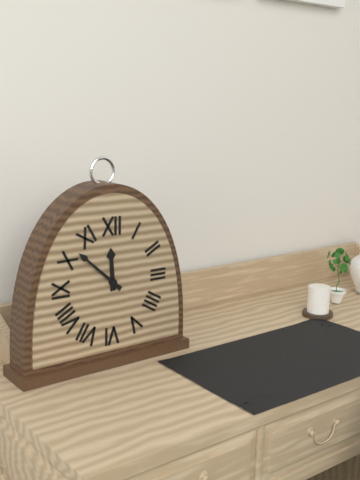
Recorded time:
{"hour": 11, "minute": 52}
